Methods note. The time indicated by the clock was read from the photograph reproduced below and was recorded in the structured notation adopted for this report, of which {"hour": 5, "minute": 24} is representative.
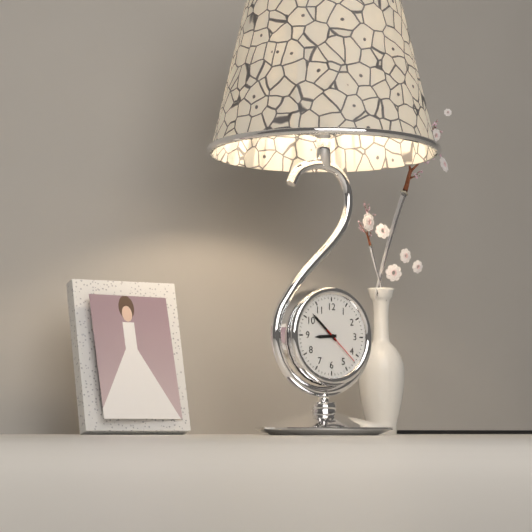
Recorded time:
{"hour": 8, "minute": 52}
